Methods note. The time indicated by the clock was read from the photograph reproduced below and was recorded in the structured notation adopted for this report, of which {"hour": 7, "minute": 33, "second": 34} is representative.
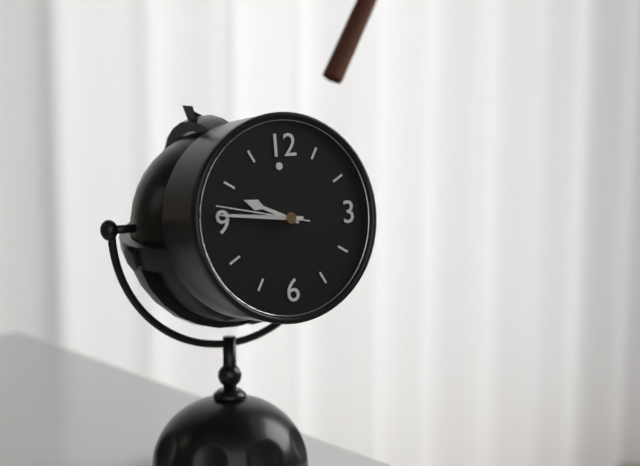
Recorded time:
{"hour": 9, "minute": 46, "second": 47}
